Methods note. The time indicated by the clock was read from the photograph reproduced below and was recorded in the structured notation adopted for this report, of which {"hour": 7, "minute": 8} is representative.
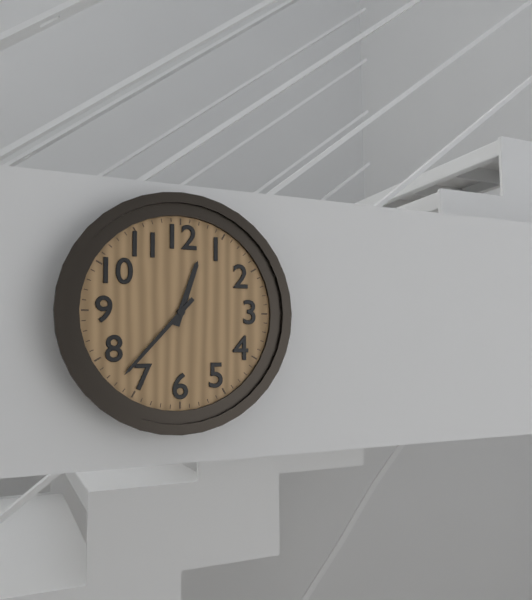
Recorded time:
{"hour": 12, "minute": 37}
